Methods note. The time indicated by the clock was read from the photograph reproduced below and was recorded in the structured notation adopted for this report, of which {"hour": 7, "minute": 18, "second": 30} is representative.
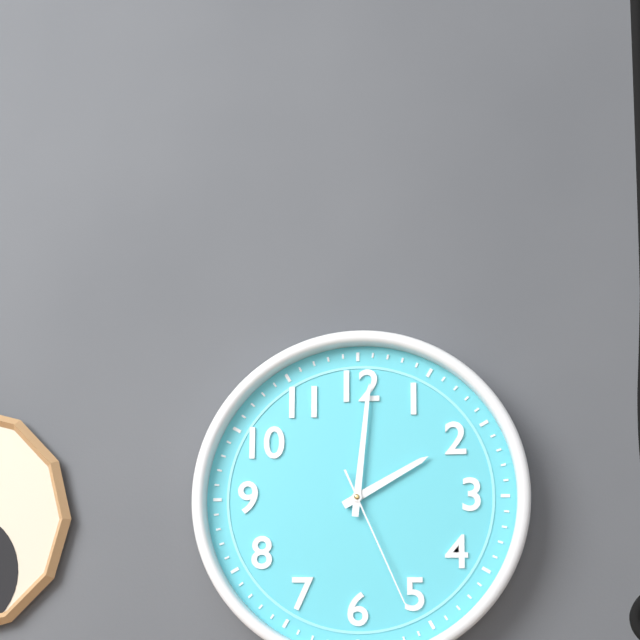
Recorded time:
{"hour": 2, "minute": 1, "second": 26}
